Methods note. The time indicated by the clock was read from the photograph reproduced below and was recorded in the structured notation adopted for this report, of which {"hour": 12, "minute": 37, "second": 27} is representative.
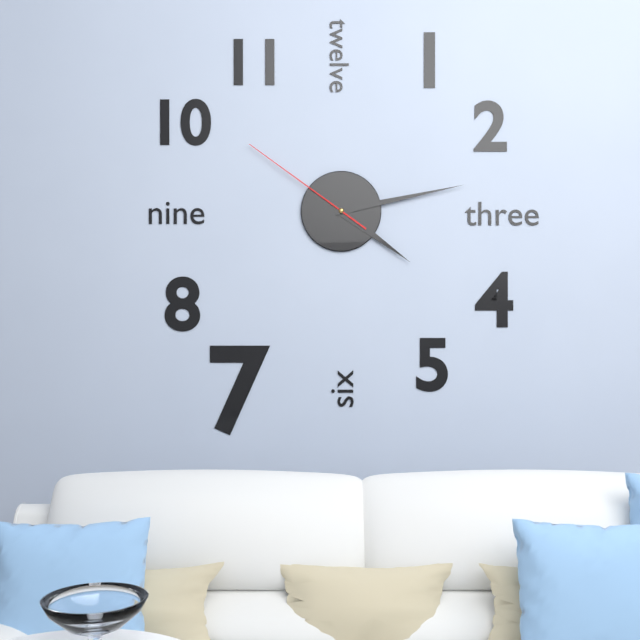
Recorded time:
{"hour": 4, "minute": 13, "second": 51}
